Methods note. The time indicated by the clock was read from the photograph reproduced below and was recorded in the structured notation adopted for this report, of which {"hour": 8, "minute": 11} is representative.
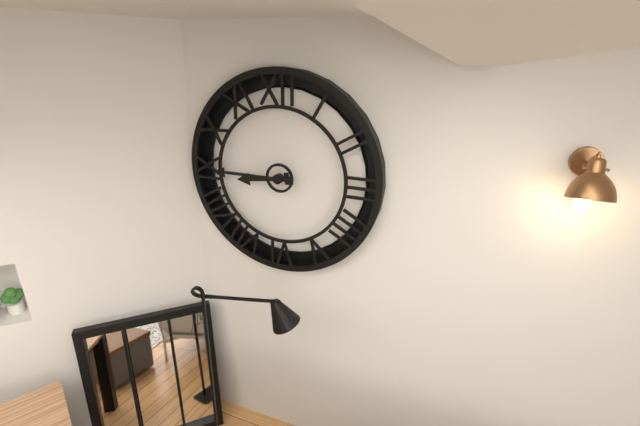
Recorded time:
{"hour": 8, "minute": 45}
